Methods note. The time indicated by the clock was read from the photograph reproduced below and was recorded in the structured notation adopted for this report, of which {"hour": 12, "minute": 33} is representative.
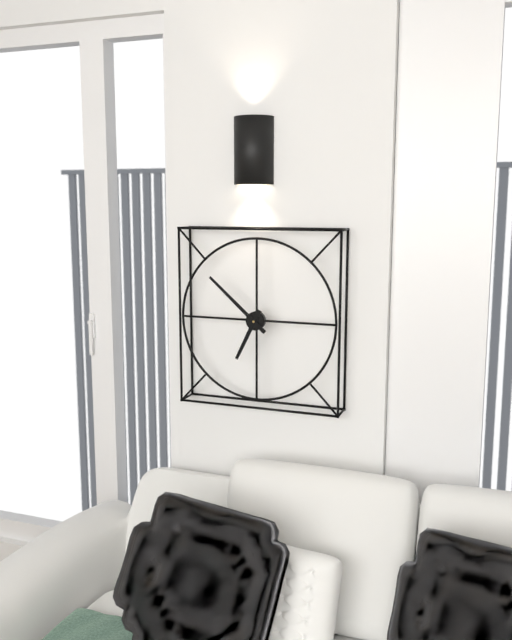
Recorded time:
{"hour": 6, "minute": 52}
